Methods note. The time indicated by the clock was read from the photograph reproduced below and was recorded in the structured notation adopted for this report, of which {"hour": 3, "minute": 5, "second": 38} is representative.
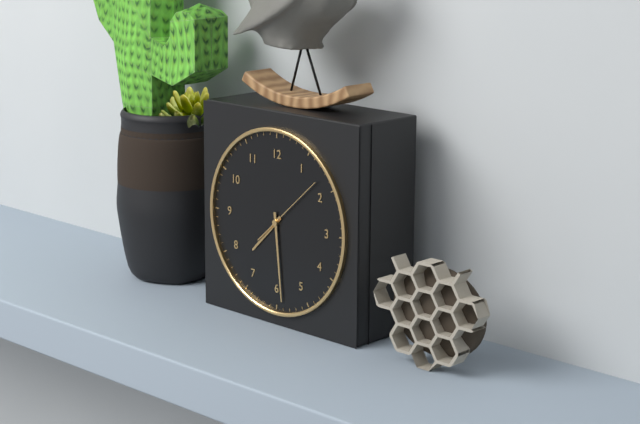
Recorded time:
{"hour": 7, "minute": 29, "second": 8}
